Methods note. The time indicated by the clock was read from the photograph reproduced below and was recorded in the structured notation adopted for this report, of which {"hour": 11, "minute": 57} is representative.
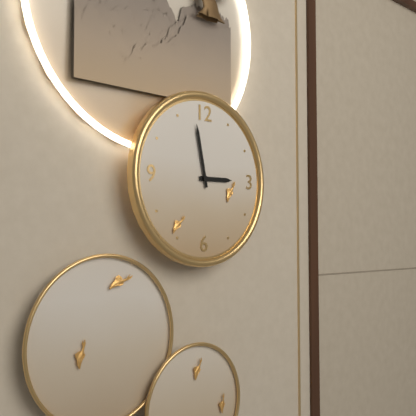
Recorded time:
{"hour": 2, "minute": 58}
